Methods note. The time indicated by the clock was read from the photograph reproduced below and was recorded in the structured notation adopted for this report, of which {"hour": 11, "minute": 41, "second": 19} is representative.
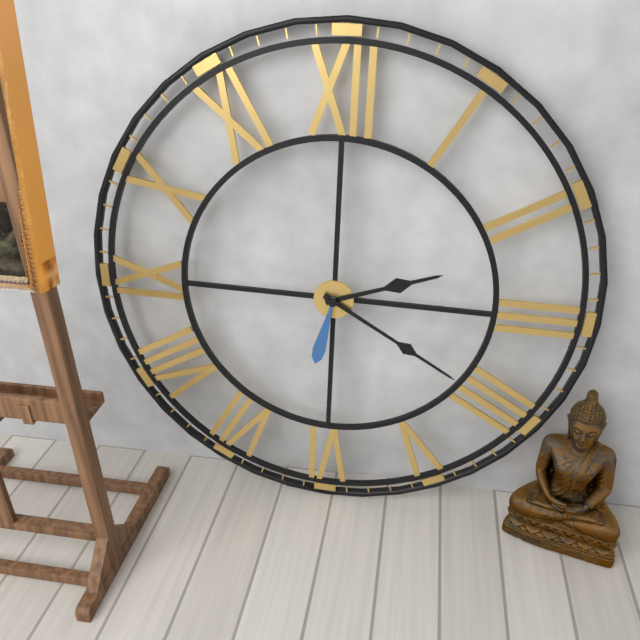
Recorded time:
{"hour": 2, "minute": 20, "second": 32}
